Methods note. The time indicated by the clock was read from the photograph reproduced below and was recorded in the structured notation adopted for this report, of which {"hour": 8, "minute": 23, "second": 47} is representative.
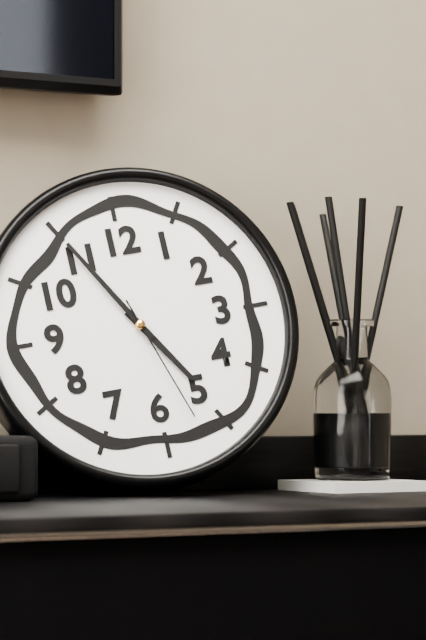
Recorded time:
{"hour": 4, "minute": 55, "second": 27}
